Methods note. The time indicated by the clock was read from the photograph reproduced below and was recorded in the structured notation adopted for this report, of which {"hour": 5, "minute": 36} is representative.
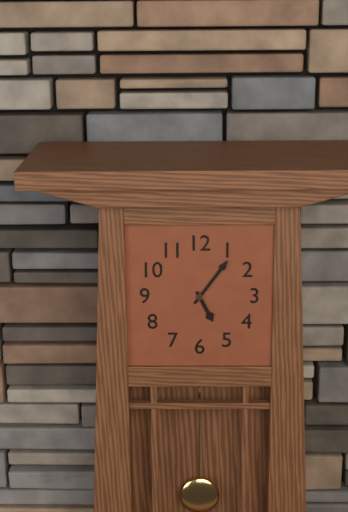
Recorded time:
{"hour": 5, "minute": 6}
